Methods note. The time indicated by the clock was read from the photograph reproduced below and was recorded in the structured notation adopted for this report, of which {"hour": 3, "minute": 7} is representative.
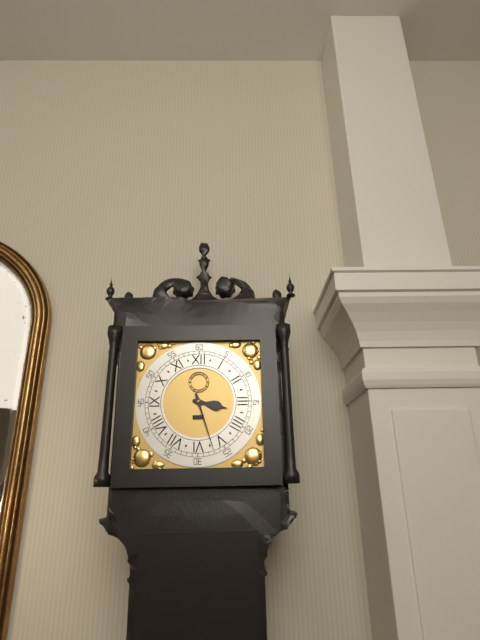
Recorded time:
{"hour": 3, "minute": 27}
